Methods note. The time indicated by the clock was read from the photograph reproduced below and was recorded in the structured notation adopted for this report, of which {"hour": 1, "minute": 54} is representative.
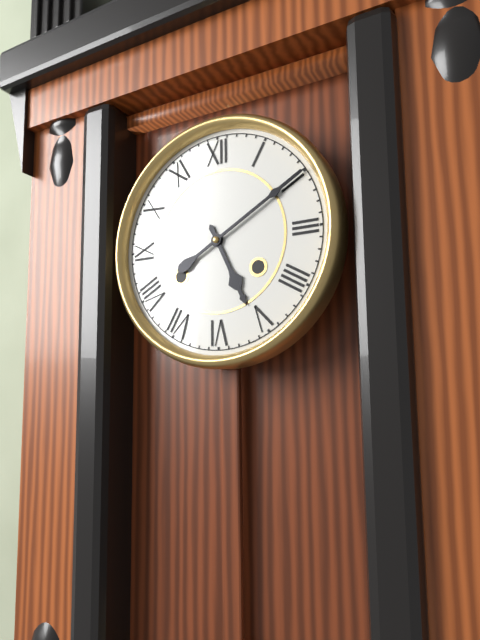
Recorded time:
{"hour": 5, "minute": 10}
